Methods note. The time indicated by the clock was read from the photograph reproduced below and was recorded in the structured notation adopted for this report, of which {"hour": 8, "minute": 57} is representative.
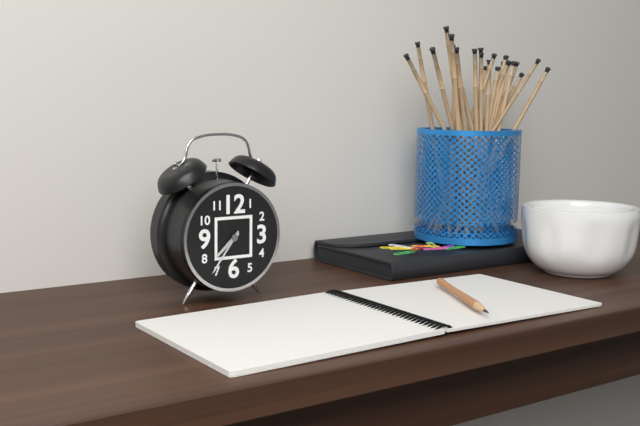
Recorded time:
{"hour": 7, "minute": 36}
